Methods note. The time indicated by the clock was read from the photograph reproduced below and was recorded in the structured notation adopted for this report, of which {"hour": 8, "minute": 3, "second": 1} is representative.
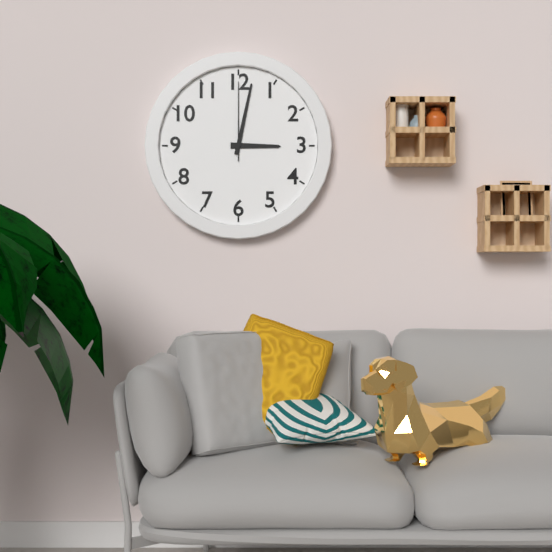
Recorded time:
{"hour": 3, "minute": 2, "second": 0}
